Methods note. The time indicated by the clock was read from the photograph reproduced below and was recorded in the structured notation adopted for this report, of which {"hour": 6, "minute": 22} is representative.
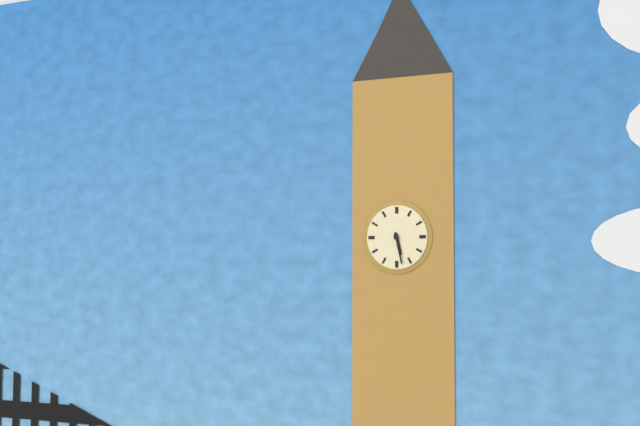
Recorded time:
{"hour": 5, "minute": 28}
